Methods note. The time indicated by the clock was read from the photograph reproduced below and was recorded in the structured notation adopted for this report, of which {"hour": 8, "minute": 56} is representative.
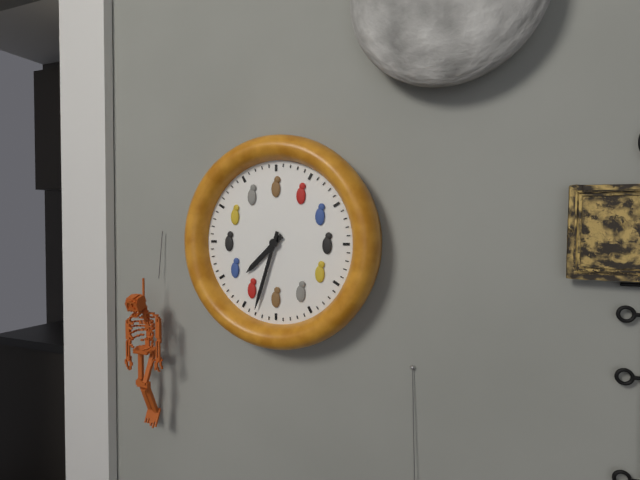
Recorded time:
{"hour": 7, "minute": 33}
